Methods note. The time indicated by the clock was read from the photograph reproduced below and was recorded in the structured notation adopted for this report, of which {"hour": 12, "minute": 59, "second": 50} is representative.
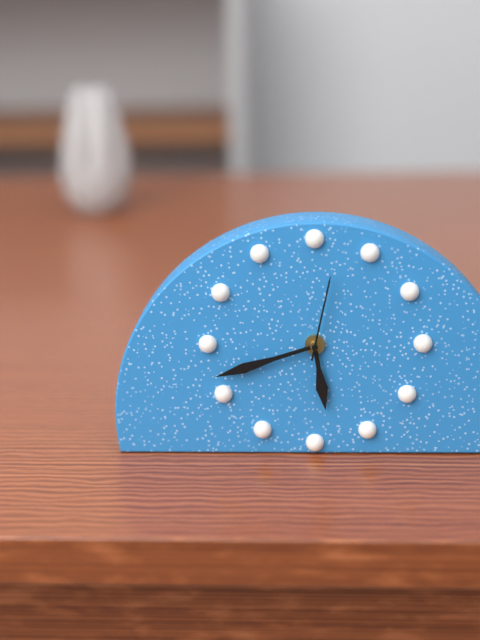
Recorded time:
{"hour": 5, "minute": 42, "second": 2}
